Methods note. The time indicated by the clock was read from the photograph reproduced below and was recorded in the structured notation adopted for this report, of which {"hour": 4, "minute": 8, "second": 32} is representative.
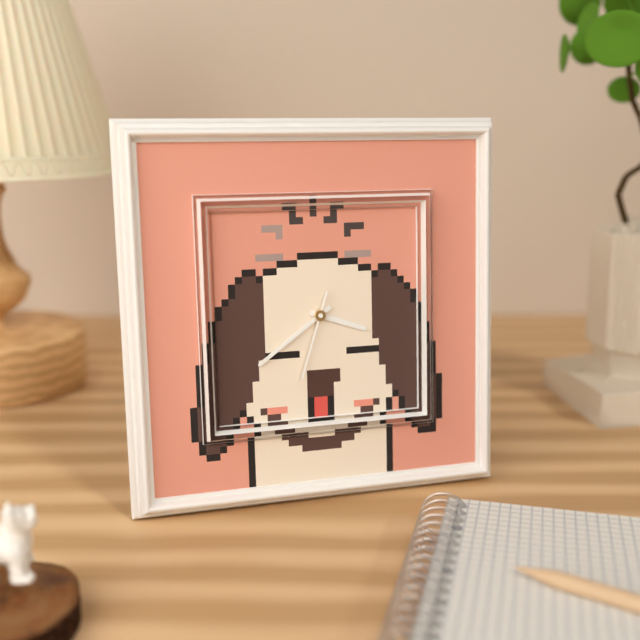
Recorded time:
{"hour": 3, "minute": 39, "second": 33}
